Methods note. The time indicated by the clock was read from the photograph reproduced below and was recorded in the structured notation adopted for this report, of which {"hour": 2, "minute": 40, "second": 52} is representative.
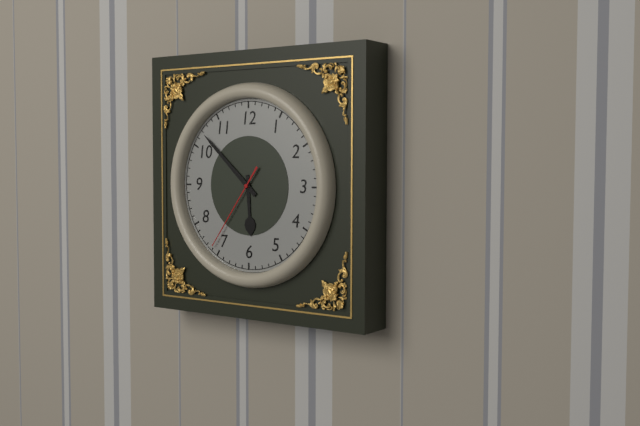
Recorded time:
{"hour": 5, "minute": 52, "second": 36}
